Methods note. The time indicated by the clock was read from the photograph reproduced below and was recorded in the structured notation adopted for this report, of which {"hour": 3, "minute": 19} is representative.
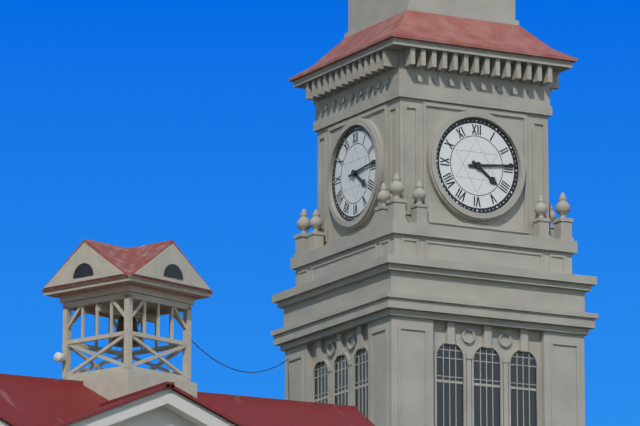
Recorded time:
{"hour": 4, "minute": 14}
